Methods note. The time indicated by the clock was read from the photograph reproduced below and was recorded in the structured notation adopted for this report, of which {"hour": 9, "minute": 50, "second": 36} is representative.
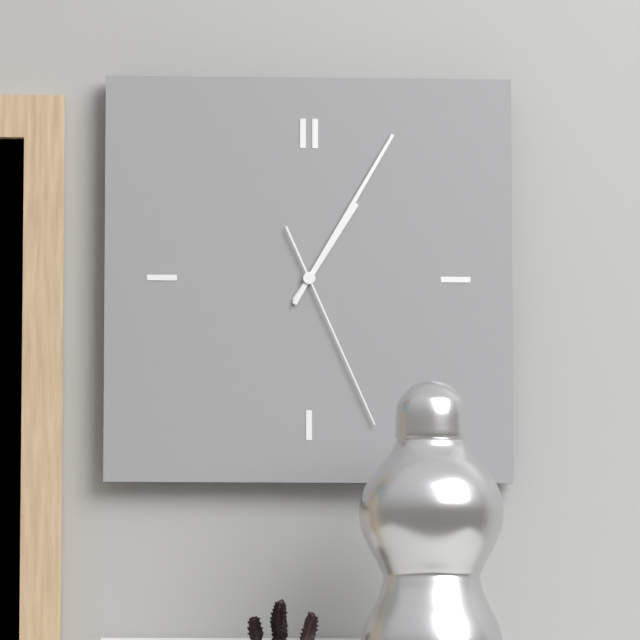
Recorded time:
{"hour": 1, "minute": 5, "second": 26}
